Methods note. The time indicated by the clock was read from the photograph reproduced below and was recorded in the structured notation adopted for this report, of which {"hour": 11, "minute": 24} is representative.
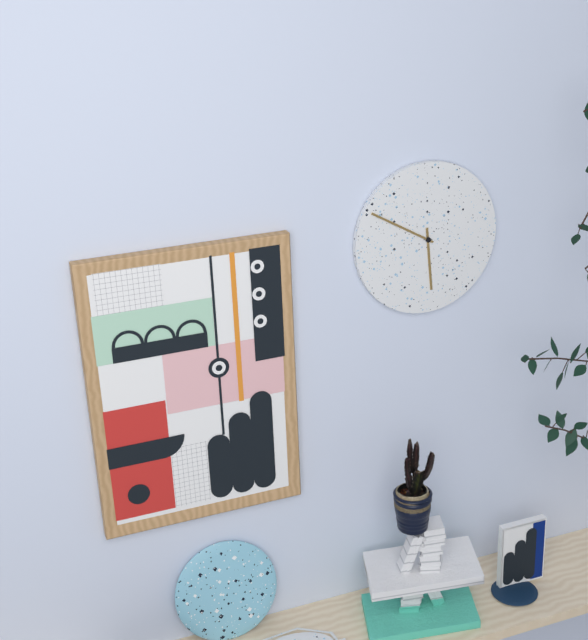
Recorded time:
{"hour": 5, "minute": 50}
